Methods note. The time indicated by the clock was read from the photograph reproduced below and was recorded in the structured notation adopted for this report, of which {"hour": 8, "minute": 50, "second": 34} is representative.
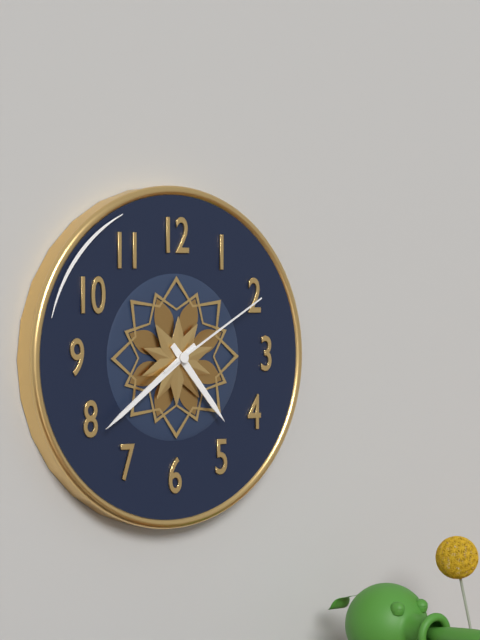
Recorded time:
{"hour": 4, "minute": 39, "second": 10}
